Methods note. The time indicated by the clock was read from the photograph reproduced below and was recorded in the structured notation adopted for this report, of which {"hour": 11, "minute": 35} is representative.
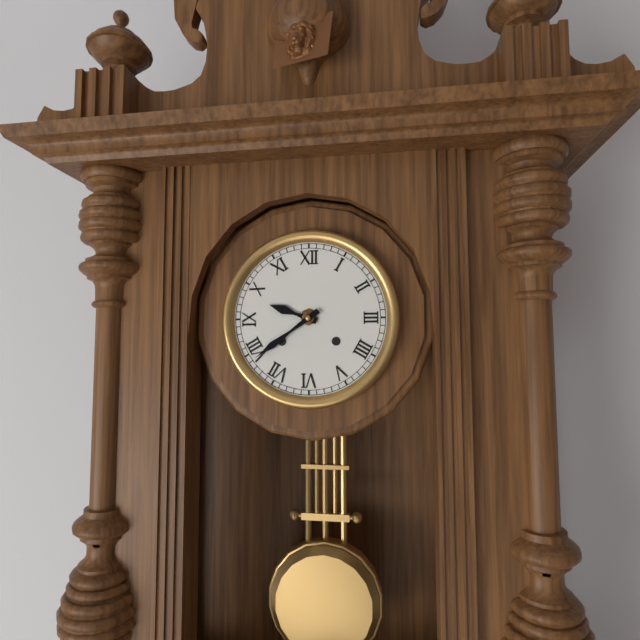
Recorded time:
{"hour": 9, "minute": 39}
